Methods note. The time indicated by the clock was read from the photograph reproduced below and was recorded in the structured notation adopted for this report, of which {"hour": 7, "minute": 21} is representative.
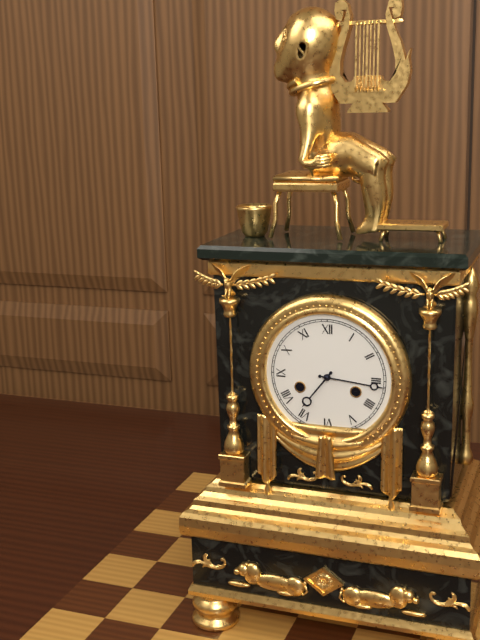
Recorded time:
{"hour": 7, "minute": 16}
